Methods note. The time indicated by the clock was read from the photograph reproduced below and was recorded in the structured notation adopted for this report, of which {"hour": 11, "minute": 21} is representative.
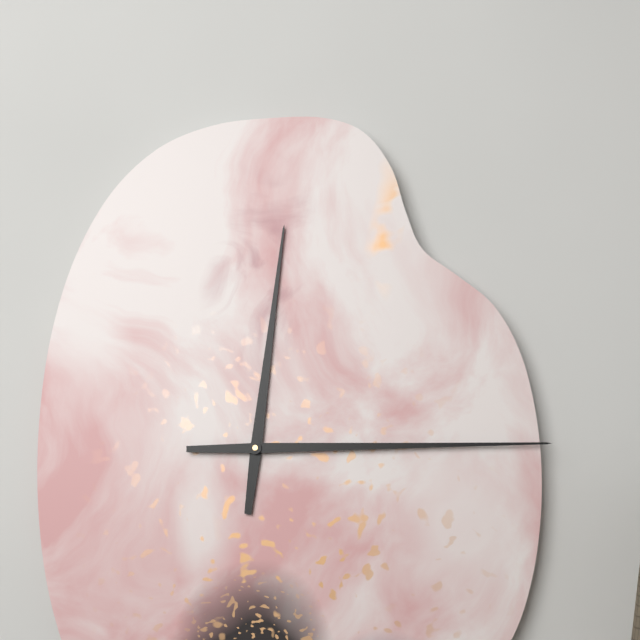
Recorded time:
{"hour": 12, "minute": 15}
